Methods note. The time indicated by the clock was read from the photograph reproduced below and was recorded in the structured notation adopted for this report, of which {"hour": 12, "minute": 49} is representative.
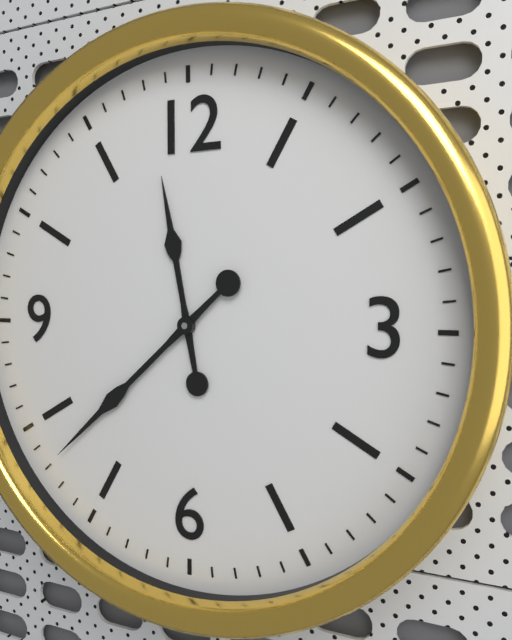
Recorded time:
{"hour": 11, "minute": 38}
